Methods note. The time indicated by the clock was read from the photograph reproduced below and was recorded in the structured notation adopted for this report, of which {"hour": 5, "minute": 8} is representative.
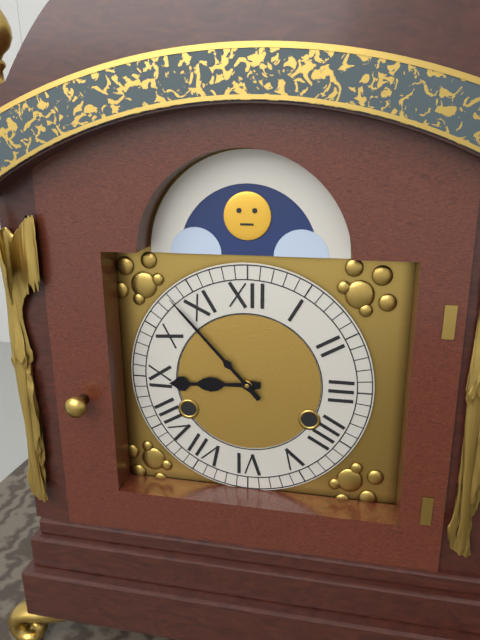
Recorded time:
{"hour": 8, "minute": 53}
